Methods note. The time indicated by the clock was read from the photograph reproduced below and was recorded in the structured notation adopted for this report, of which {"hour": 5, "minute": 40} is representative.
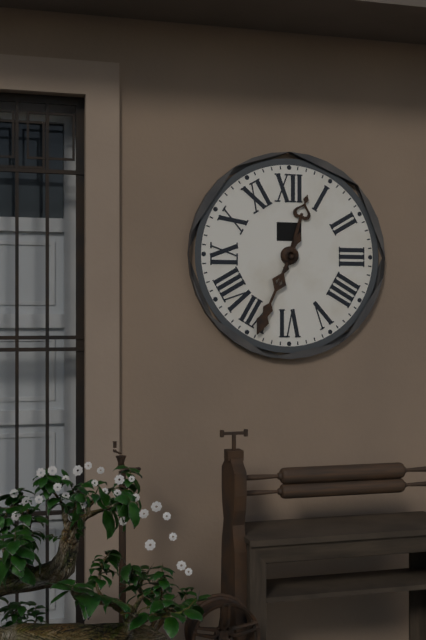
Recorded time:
{"hour": 12, "minute": 34}
